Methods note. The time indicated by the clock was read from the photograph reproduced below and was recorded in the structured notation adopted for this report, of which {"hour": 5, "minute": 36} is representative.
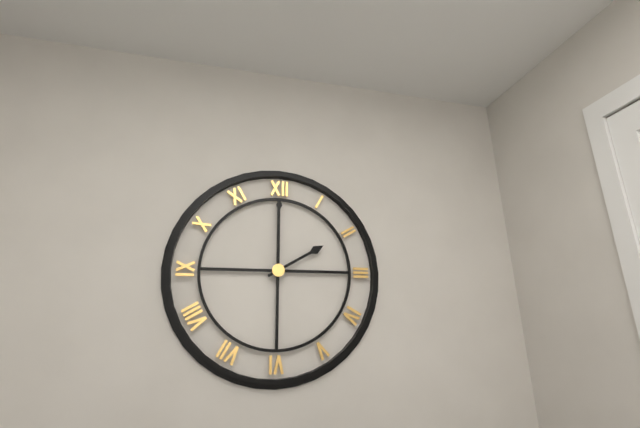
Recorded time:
{"hour": 2, "minute": 0}
